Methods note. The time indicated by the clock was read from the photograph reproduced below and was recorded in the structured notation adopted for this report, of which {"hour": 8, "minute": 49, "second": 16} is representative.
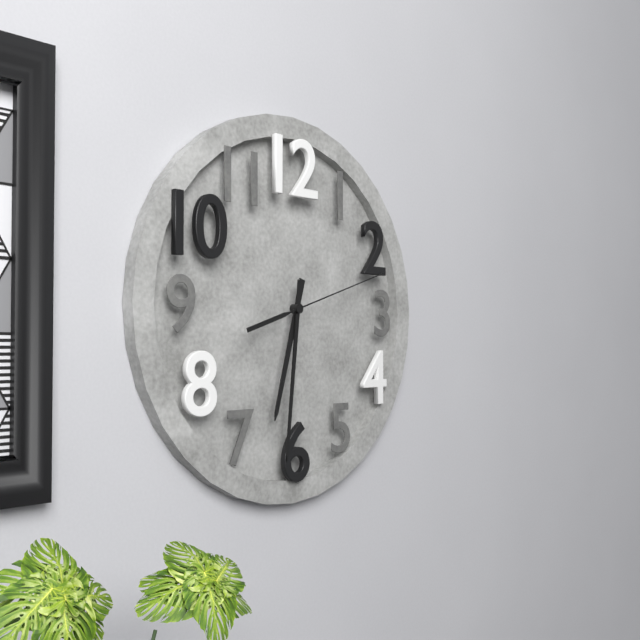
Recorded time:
{"hour": 6, "minute": 31, "second": 12}
